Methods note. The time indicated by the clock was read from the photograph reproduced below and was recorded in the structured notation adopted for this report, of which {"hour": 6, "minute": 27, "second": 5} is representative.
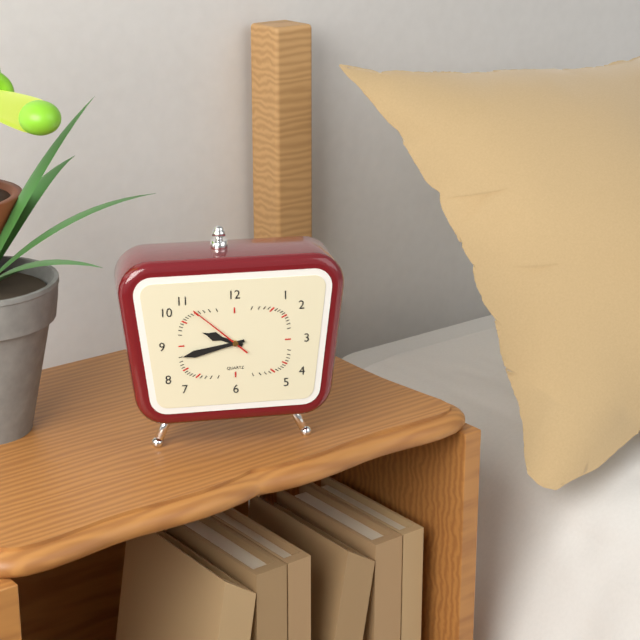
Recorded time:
{"hour": 9, "minute": 43, "second": 52}
